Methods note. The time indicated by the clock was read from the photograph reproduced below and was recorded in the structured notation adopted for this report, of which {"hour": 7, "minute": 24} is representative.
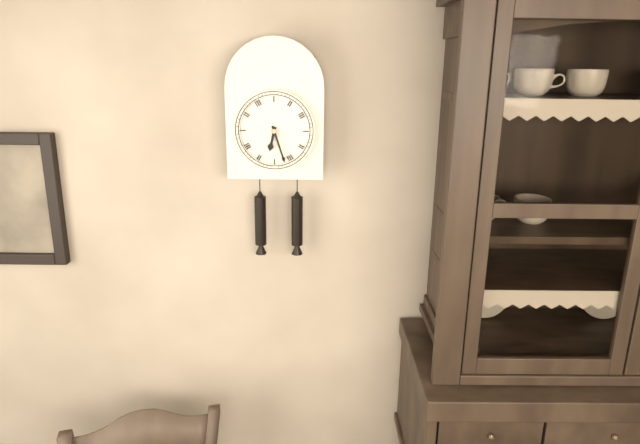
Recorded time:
{"hour": 6, "minute": 27}
